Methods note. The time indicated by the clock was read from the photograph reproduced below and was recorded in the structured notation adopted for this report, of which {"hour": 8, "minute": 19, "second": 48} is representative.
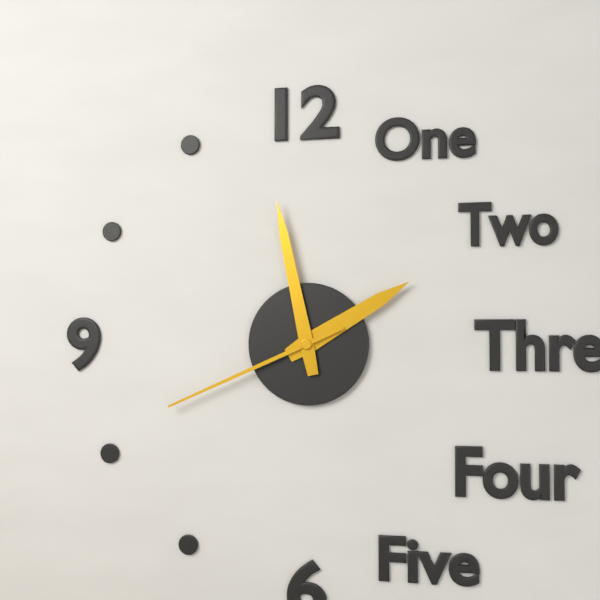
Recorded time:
{"hour": 1, "minute": 58, "second": 41}
